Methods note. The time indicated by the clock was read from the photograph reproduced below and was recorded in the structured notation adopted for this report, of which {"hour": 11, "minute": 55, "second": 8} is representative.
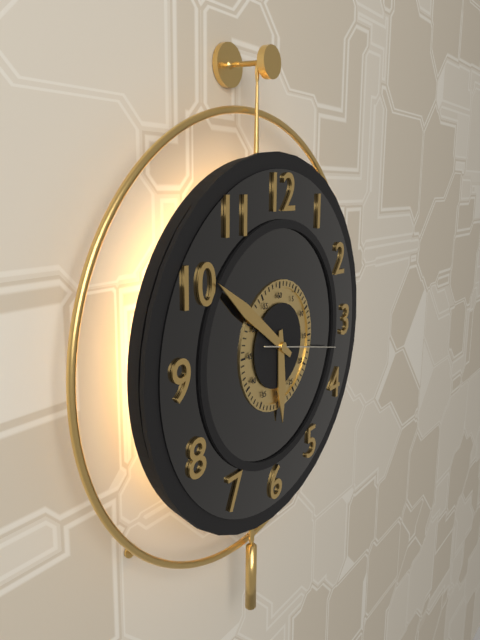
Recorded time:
{"hour": 5, "minute": 51, "second": 17}
